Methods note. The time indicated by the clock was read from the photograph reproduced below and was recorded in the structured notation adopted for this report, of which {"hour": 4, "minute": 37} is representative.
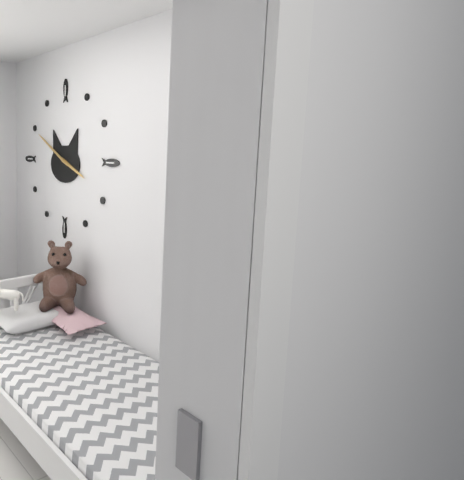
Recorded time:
{"hour": 3, "minute": 50}
